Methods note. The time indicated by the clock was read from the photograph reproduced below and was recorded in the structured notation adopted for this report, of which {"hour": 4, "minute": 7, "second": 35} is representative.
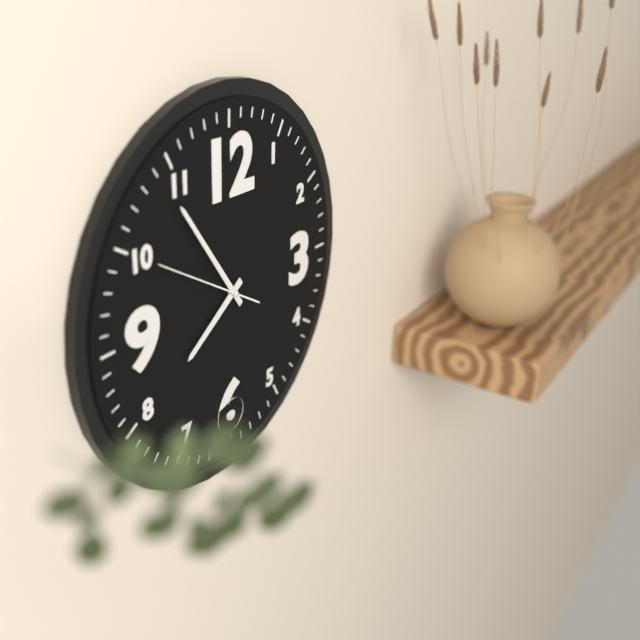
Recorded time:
{"hour": 7, "minute": 54, "second": 50}
